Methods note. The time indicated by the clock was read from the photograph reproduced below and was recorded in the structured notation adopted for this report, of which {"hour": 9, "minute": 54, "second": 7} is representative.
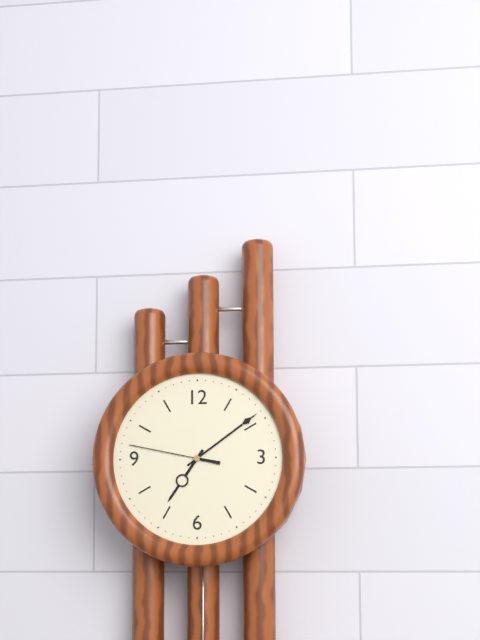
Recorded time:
{"hour": 7, "minute": 9, "second": 47}
